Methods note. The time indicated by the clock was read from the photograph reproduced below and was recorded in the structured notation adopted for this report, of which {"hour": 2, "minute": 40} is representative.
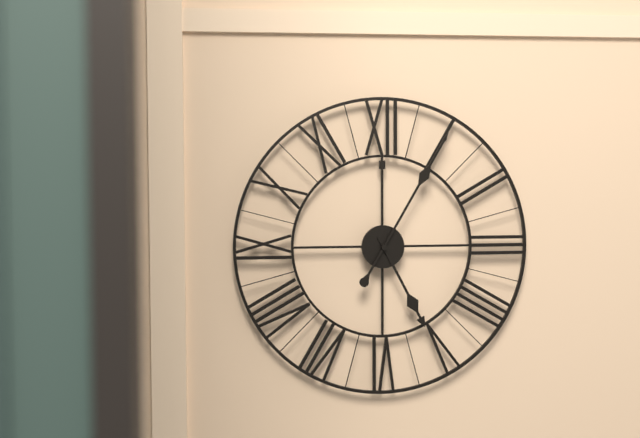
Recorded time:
{"hour": 5, "minute": 5}
